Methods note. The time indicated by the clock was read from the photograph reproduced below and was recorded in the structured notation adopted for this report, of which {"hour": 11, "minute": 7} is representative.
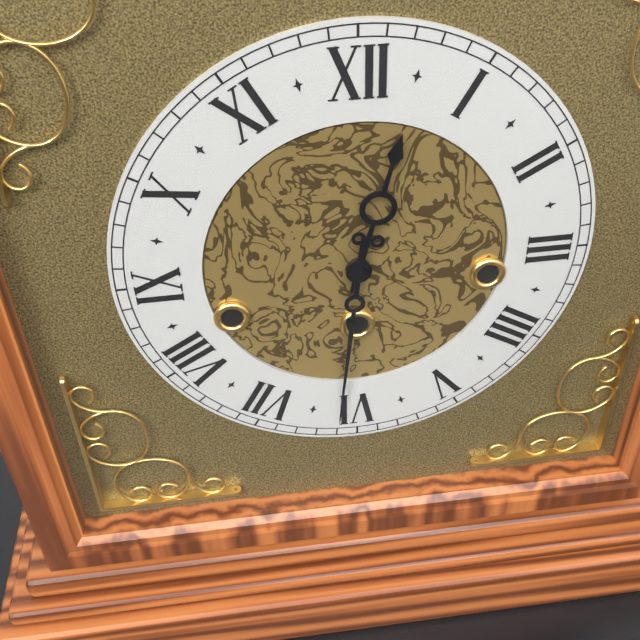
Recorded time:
{"hour": 12, "minute": 31}
